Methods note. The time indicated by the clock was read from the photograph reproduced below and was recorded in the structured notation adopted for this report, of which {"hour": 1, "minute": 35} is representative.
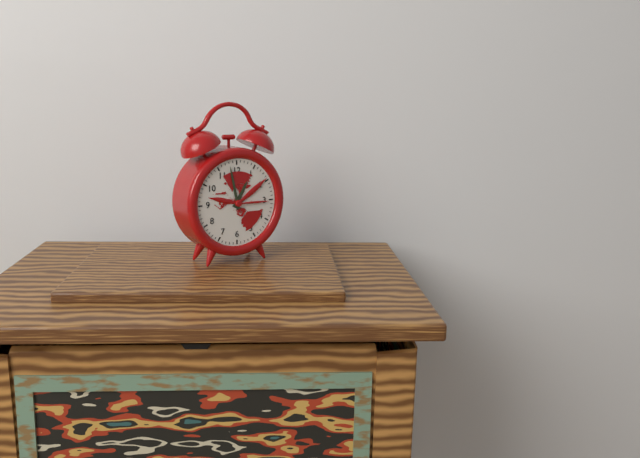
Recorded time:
{"hour": 12, "minute": 58}
